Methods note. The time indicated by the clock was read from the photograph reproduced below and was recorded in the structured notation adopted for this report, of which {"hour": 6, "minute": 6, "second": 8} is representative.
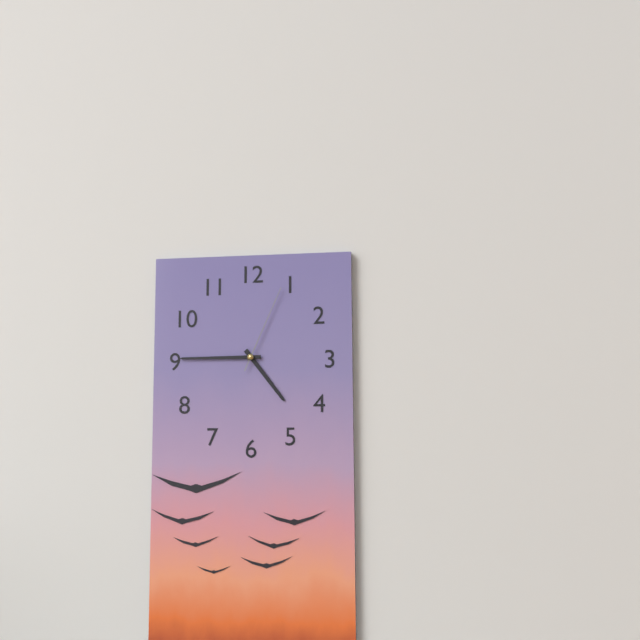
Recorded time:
{"hour": 4, "minute": 45, "second": 4}
